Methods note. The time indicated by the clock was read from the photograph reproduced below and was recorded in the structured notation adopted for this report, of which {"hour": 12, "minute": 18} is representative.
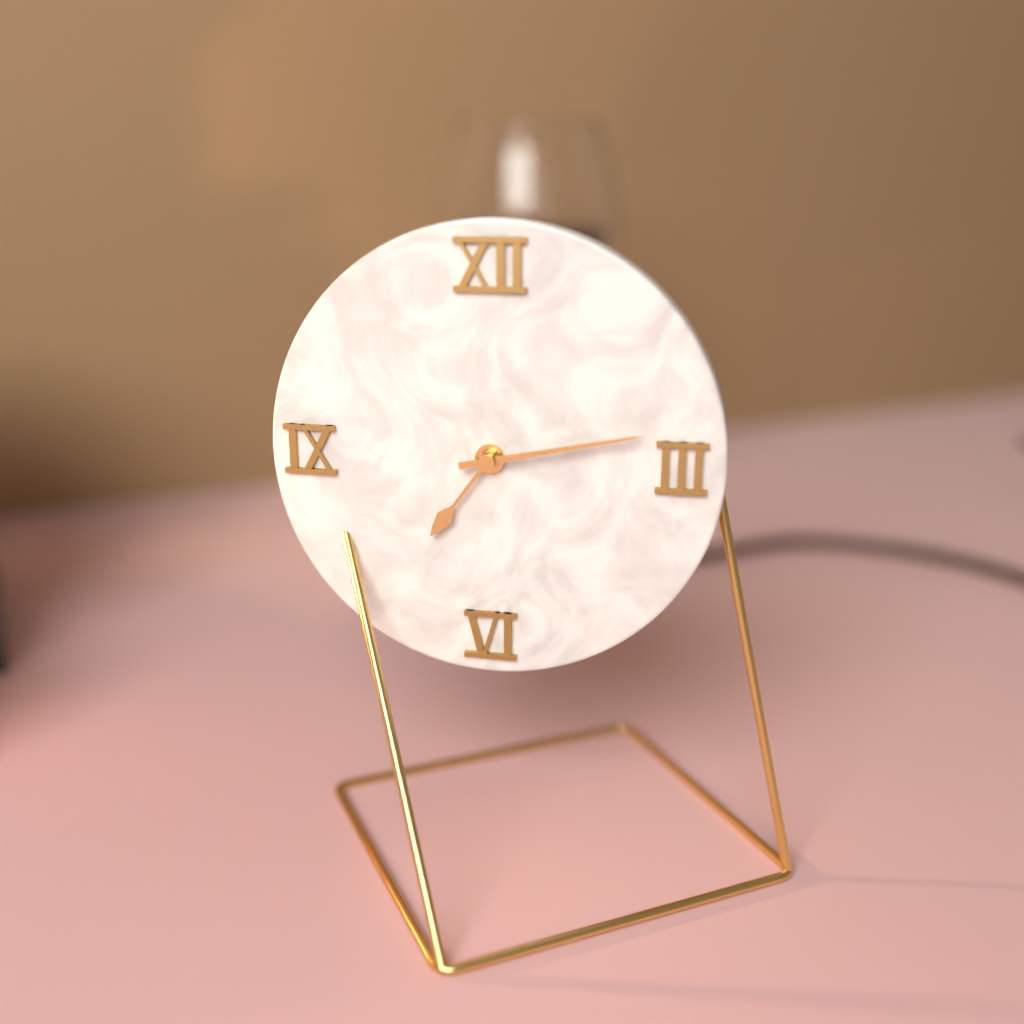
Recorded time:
{"hour": 7, "minute": 13}
